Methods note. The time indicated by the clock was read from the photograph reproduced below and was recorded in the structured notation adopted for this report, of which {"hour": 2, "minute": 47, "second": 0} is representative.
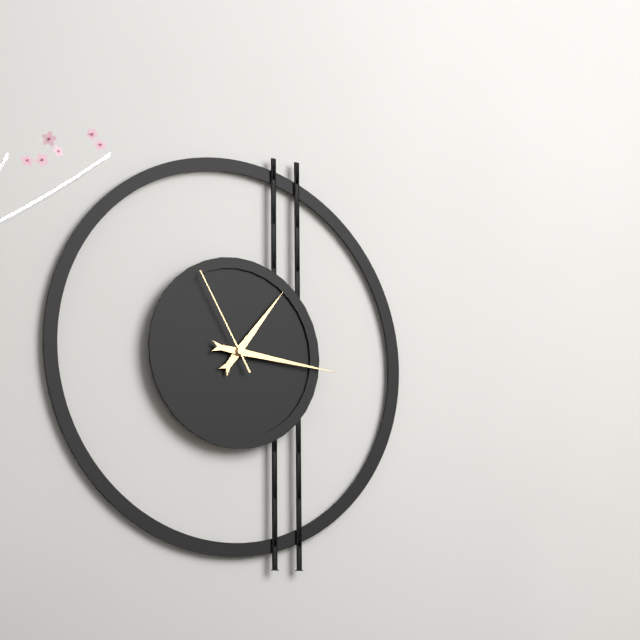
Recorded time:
{"hour": 1, "minute": 16, "second": 55}
